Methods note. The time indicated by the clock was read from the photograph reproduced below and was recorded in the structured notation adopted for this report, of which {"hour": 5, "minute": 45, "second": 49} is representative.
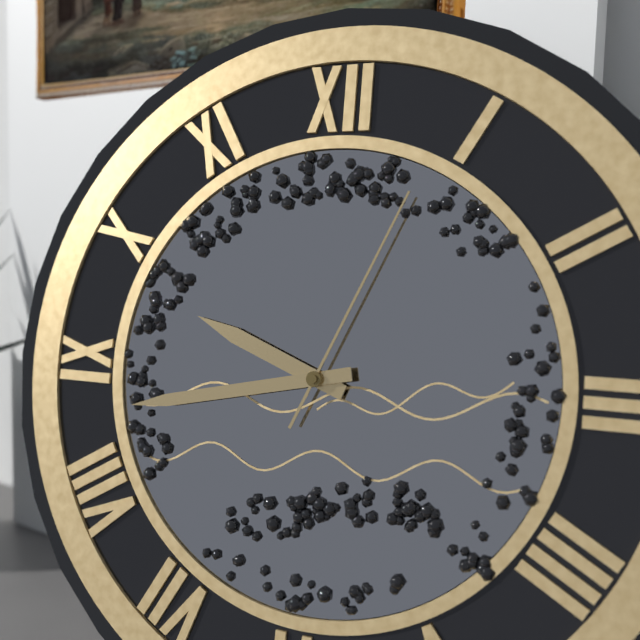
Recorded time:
{"hour": 9, "minute": 43, "second": 4}
